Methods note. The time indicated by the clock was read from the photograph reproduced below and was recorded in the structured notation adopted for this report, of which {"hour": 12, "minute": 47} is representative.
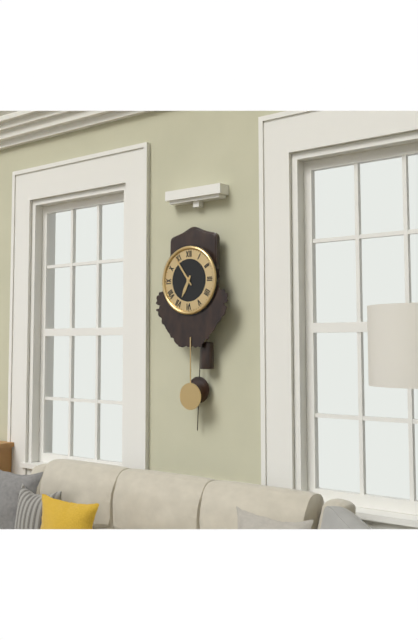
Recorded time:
{"hour": 6, "minute": 54}
